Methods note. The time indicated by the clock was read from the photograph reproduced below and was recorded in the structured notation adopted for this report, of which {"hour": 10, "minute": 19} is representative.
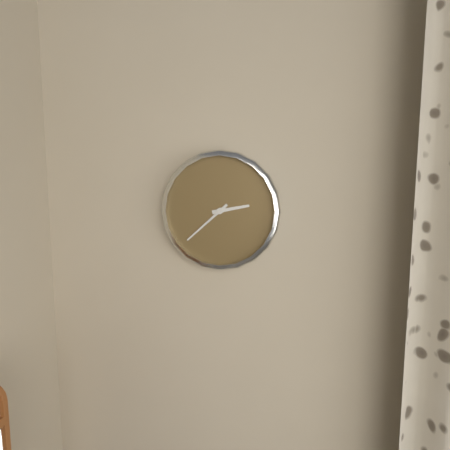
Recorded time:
{"hour": 2, "minute": 38}
